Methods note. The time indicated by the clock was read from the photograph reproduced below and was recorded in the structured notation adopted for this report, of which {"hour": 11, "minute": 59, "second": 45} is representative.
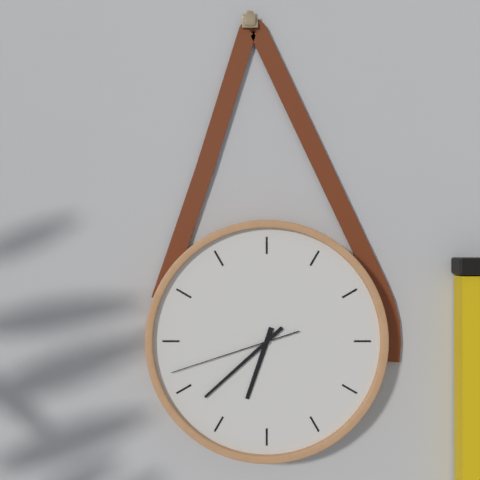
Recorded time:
{"hour": 6, "minute": 38, "second": 42}
